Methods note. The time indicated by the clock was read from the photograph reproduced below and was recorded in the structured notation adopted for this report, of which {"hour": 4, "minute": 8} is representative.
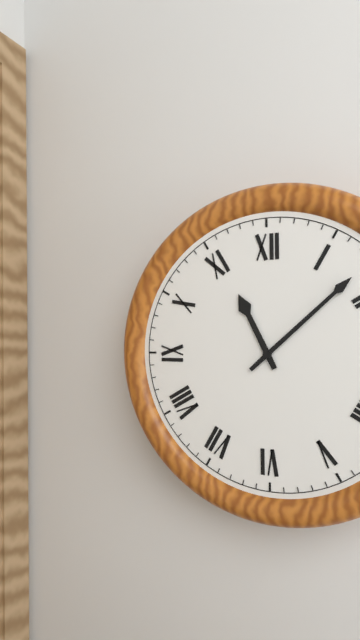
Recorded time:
{"hour": 11, "minute": 8}
